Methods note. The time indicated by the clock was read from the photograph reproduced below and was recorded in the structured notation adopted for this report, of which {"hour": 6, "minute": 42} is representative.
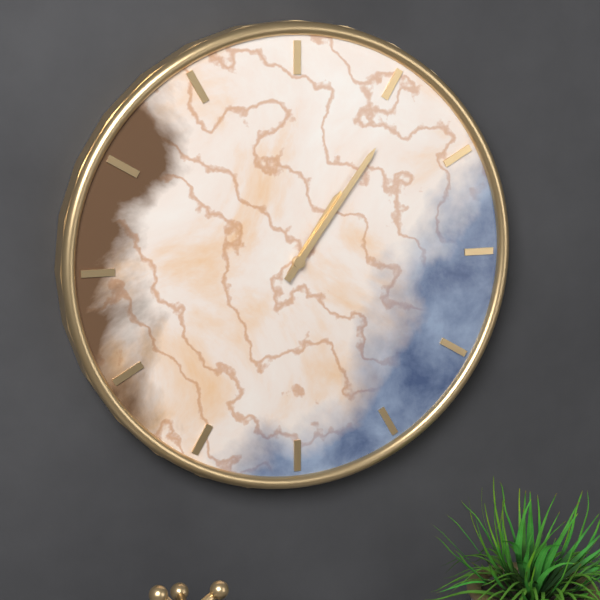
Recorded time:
{"hour": 1, "minute": 6}
